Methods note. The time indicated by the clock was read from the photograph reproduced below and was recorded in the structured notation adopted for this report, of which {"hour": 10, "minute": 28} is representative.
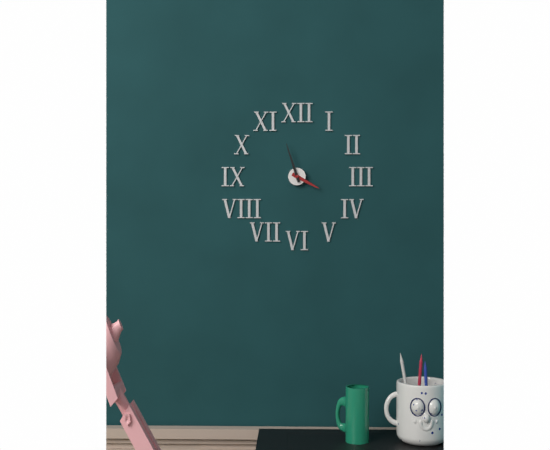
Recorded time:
{"hour": 3, "minute": 57}
